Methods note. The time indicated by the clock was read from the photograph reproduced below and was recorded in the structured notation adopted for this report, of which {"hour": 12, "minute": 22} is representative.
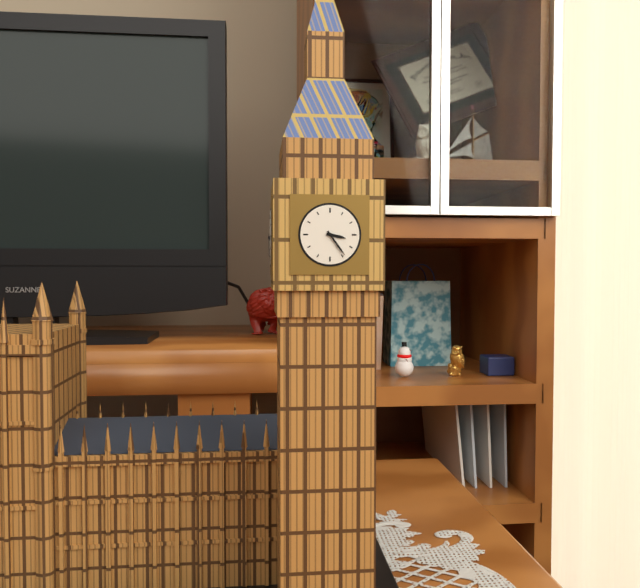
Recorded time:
{"hour": 3, "minute": 24}
